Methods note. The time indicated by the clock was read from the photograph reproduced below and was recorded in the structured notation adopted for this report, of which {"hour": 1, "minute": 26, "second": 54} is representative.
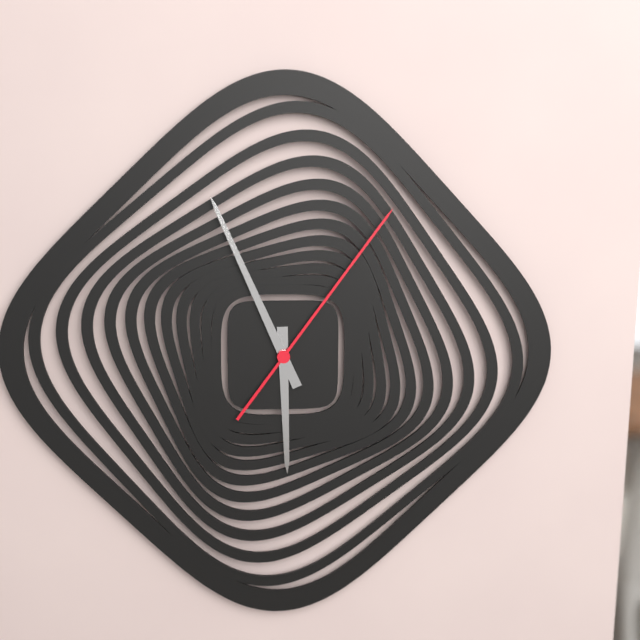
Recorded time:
{"hour": 5, "minute": 56, "second": 6}
